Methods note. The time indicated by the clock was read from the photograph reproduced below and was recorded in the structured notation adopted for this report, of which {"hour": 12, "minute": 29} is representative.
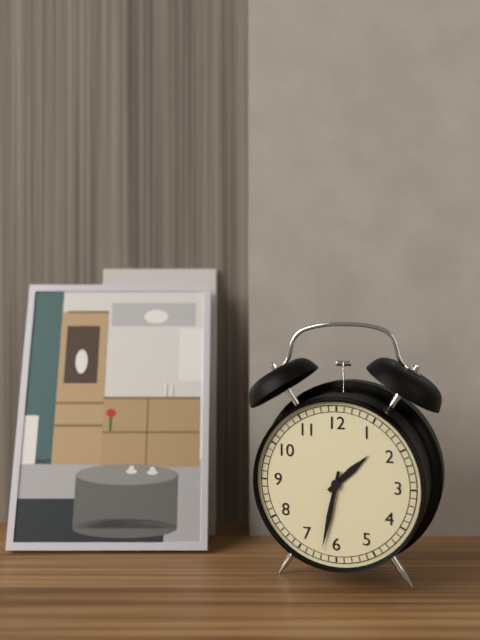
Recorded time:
{"hour": 1, "minute": 32}
